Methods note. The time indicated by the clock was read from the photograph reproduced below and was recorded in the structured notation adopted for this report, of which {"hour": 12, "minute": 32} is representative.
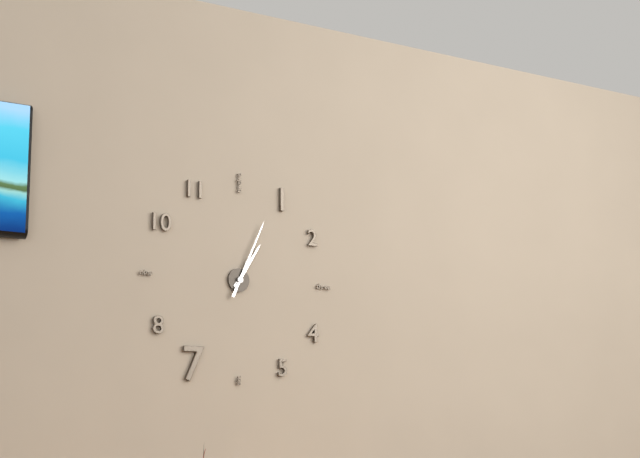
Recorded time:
{"hour": 1, "minute": 4}
